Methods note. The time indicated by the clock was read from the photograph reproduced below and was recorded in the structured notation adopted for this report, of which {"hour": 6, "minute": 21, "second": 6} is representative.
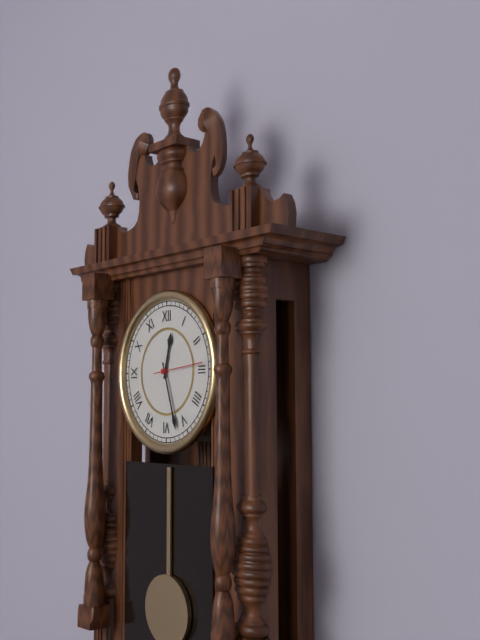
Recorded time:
{"hour": 12, "minute": 27, "second": 14}
